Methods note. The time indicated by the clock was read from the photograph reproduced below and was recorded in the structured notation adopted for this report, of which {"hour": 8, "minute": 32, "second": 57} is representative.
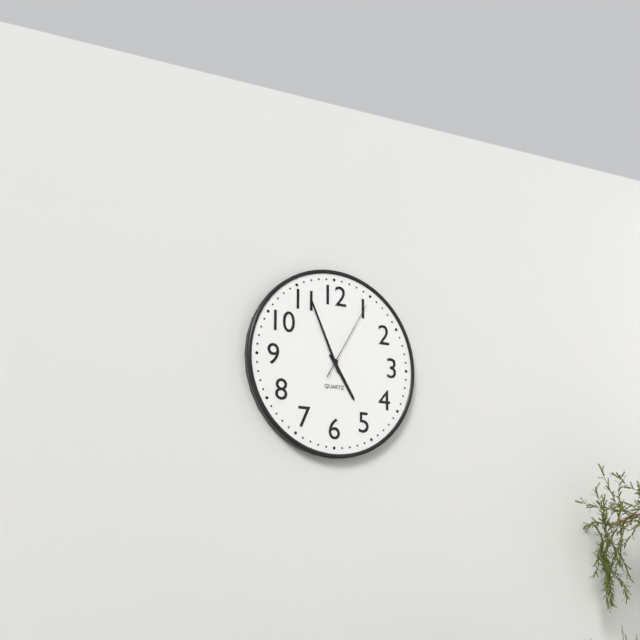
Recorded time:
{"hour": 4, "minute": 56, "second": 5}
